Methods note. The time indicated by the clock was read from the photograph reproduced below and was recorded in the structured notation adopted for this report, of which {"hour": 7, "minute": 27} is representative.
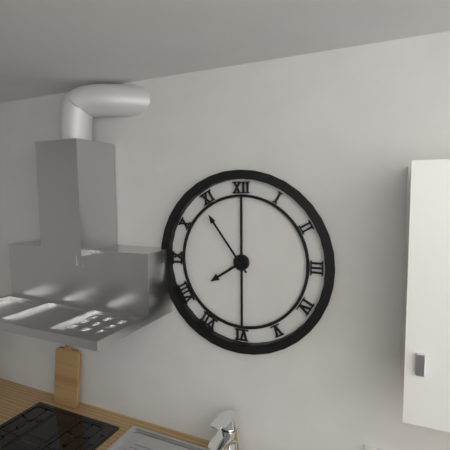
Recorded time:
{"hour": 7, "minute": 54}
